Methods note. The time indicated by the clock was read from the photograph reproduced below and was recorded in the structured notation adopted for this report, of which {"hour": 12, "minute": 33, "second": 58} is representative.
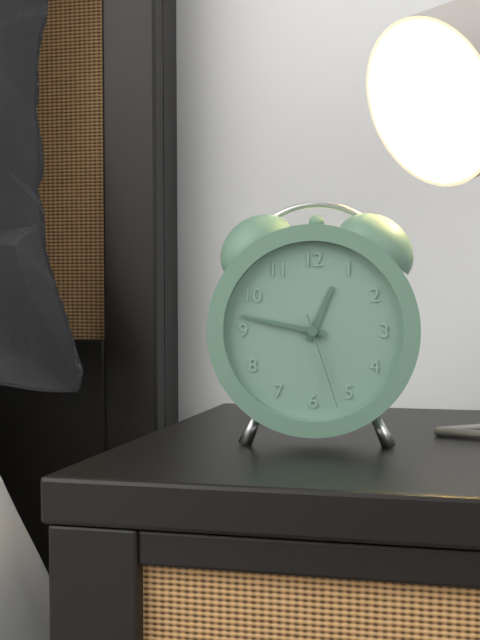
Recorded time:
{"hour": 12, "minute": 47, "second": 27}
